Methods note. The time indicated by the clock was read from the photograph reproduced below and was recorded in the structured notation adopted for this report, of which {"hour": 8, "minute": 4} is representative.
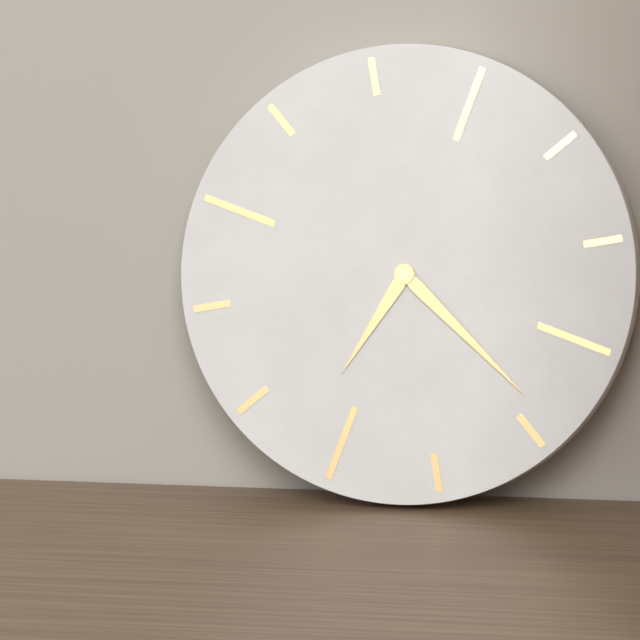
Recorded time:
{"hour": 7, "minute": 24}
